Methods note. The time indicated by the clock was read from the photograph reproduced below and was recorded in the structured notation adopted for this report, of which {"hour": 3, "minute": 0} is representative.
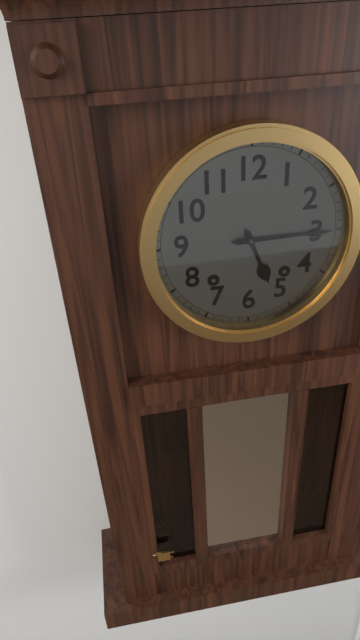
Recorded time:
{"hour": 5, "minute": 15}
